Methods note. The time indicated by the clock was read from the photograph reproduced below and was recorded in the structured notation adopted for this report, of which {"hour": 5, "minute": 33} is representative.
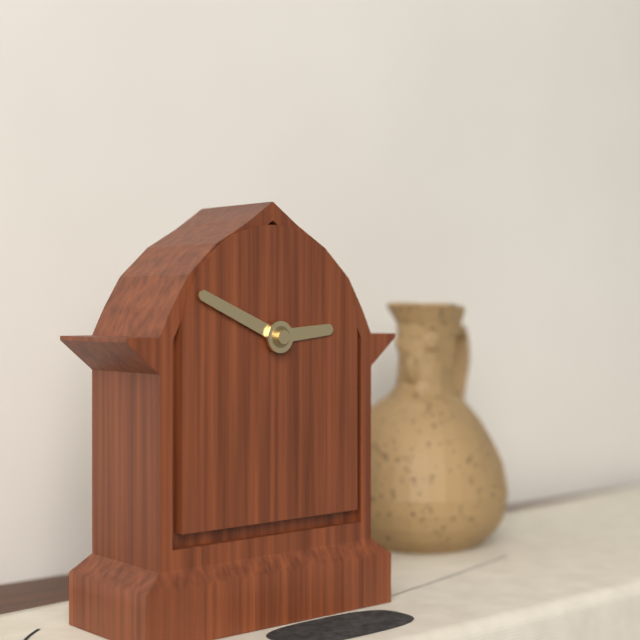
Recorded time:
{"hour": 2, "minute": 49}
